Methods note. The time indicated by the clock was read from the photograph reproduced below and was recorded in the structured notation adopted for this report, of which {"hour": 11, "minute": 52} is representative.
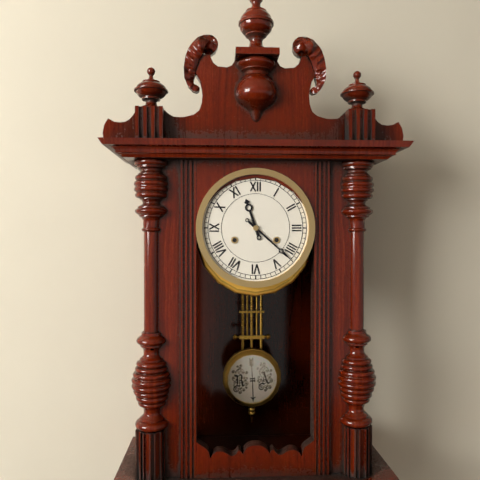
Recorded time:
{"hour": 11, "minute": 22}
